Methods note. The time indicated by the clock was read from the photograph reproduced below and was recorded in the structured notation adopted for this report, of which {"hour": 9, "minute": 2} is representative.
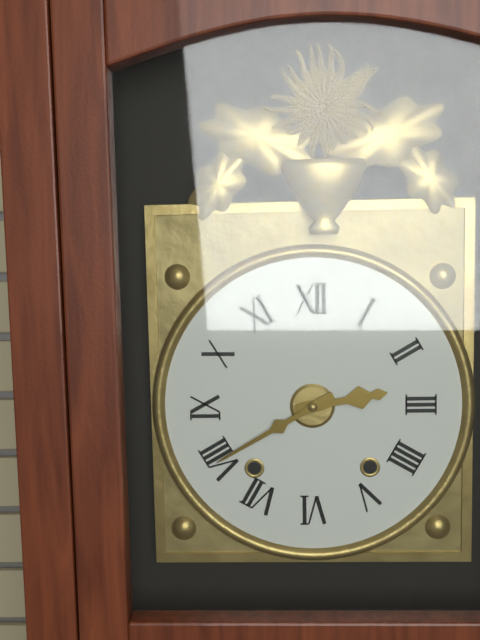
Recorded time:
{"hour": 2, "minute": 40}
